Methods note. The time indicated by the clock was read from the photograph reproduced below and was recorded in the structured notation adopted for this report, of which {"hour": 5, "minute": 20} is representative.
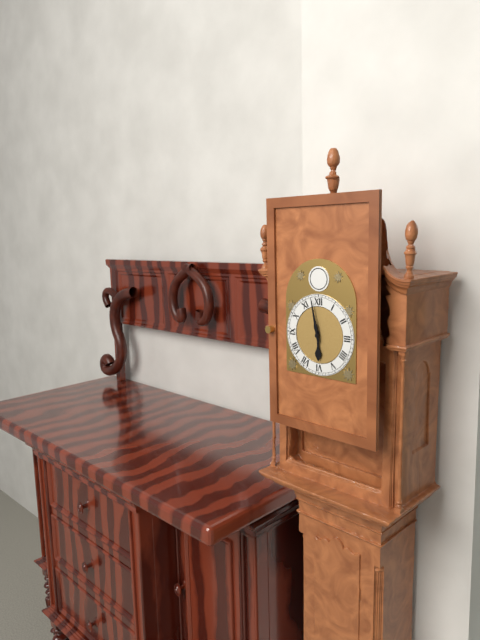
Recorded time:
{"hour": 5, "minute": 58}
